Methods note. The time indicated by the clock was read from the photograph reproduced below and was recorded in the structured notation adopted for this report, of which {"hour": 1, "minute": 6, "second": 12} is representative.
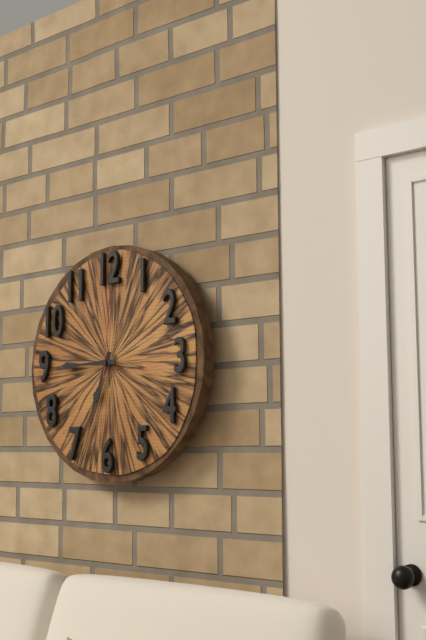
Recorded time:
{"hour": 6, "minute": 45, "second": 1}
